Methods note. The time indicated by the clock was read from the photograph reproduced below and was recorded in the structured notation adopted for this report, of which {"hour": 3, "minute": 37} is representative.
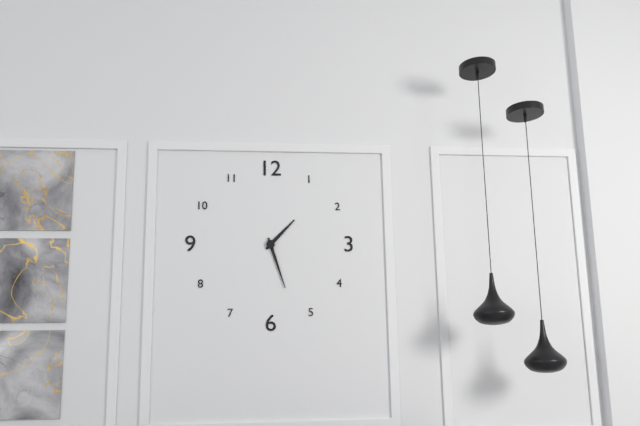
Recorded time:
{"hour": 1, "minute": 27}
